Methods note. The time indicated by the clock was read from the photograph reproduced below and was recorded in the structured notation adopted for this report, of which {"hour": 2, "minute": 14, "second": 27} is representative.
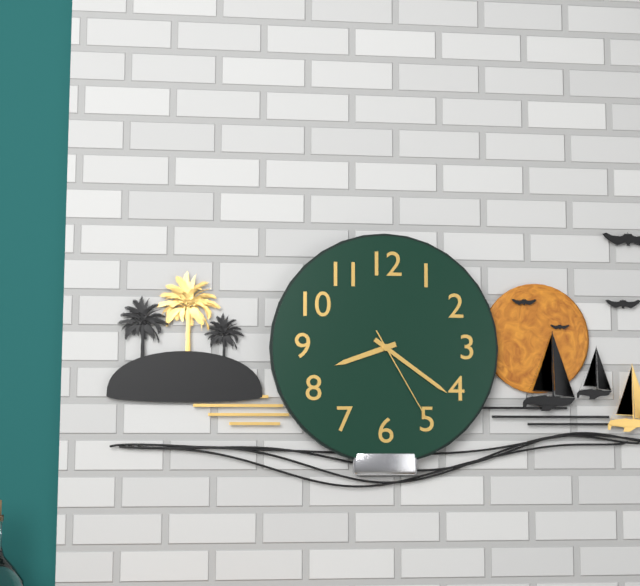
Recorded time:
{"hour": 8, "minute": 21, "second": 25}
